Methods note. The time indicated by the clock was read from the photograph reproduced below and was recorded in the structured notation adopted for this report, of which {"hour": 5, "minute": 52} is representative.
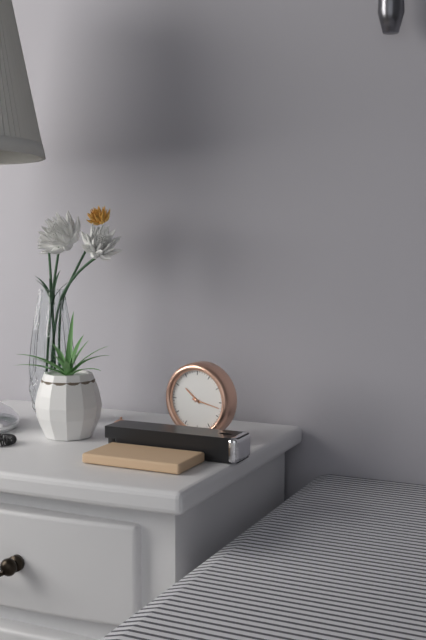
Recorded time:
{"hour": 10, "minute": 17}
